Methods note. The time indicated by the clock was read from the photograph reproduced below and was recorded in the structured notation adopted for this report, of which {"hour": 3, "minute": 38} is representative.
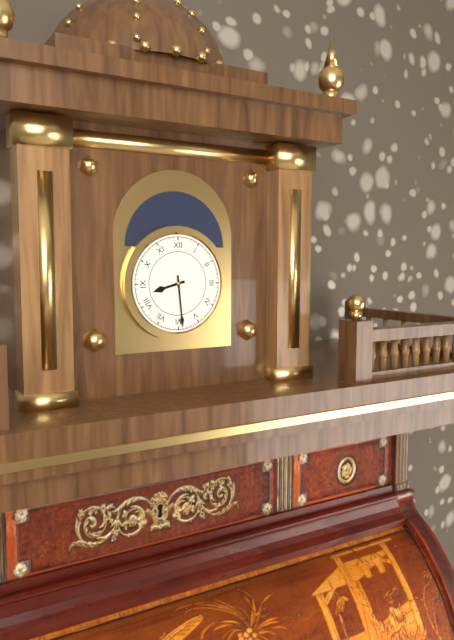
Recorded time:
{"hour": 8, "minute": 29}
